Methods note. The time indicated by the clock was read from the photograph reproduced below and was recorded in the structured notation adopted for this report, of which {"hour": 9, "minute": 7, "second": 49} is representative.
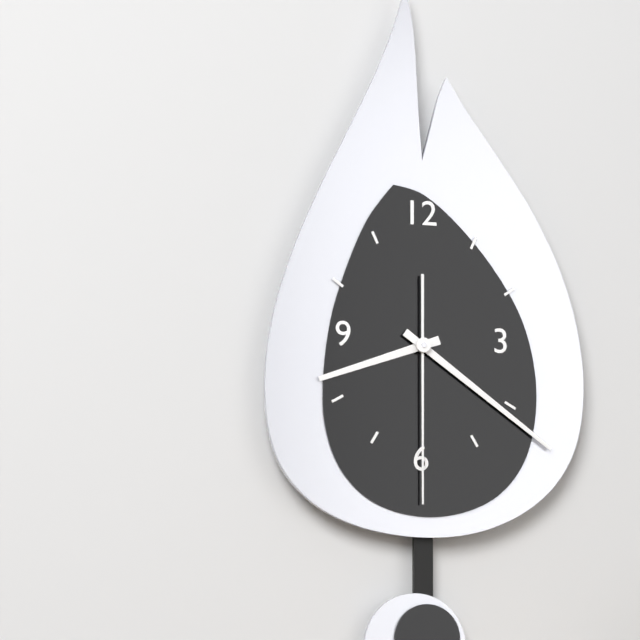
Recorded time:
{"hour": 8, "minute": 21, "second": 30}
